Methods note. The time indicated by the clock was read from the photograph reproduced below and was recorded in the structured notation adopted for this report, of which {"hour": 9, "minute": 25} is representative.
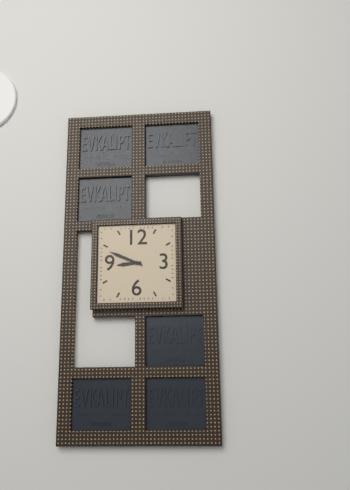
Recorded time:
{"hour": 8, "minute": 49}
